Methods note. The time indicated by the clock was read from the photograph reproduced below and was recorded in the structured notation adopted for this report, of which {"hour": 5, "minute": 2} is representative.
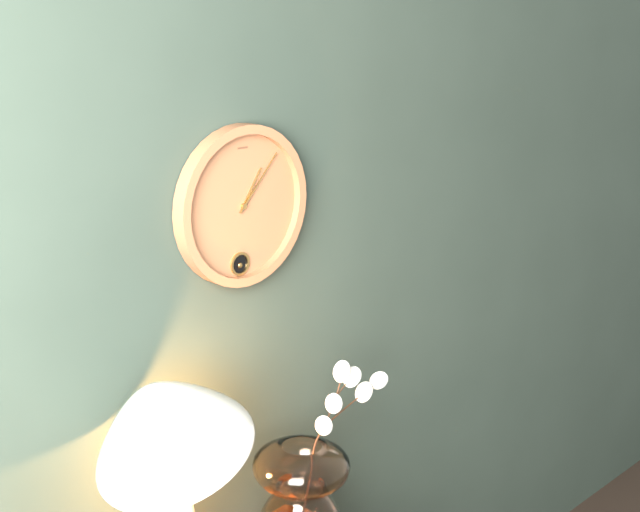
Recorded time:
{"hour": 1, "minute": 7}
